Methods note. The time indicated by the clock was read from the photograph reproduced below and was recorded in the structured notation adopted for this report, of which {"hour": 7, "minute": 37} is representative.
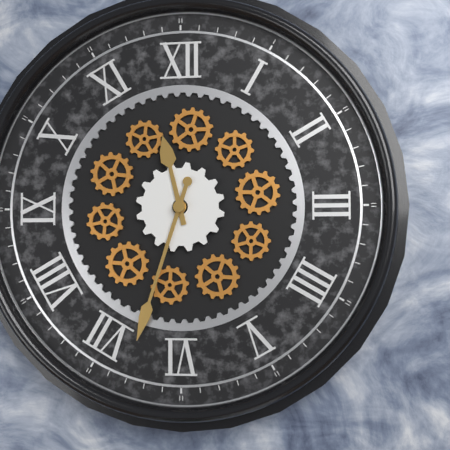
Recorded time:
{"hour": 11, "minute": 33}
